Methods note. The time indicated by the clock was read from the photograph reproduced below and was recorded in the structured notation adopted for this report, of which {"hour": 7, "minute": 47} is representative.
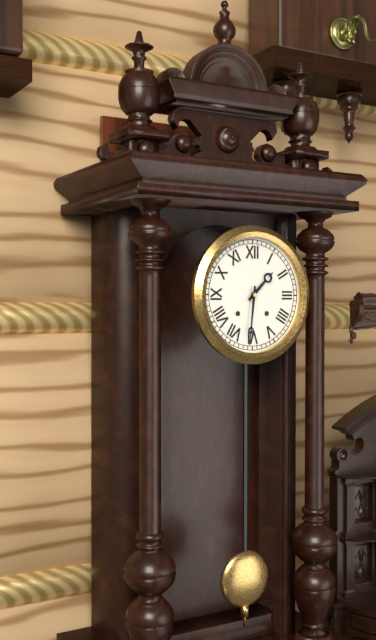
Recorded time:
{"hour": 1, "minute": 31}
